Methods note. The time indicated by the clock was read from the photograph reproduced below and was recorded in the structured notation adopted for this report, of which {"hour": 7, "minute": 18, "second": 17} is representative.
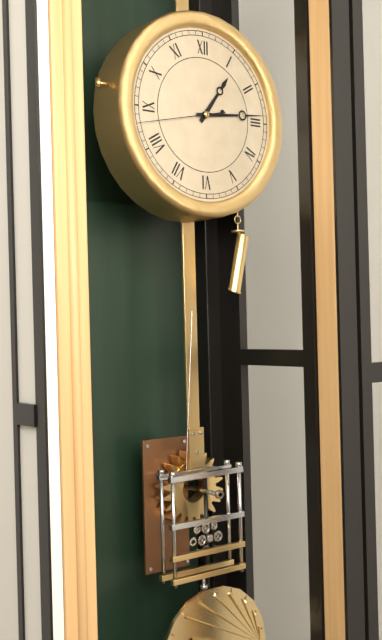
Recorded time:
{"hour": 1, "minute": 14, "second": 43}
